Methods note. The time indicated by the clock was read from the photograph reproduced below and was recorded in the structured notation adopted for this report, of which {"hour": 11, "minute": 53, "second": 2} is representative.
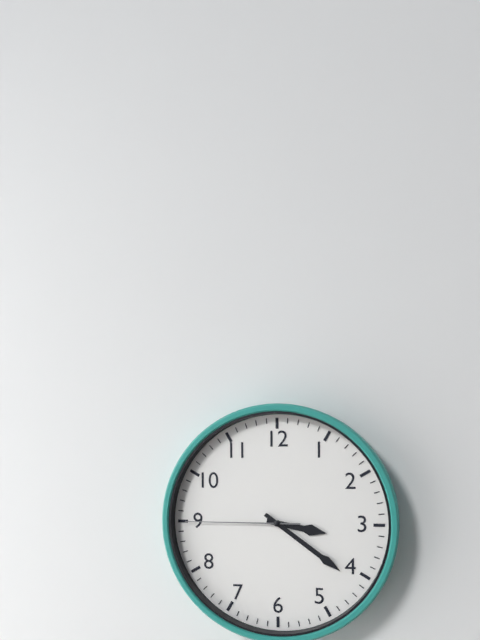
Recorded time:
{"hour": 3, "minute": 21, "second": 45}
